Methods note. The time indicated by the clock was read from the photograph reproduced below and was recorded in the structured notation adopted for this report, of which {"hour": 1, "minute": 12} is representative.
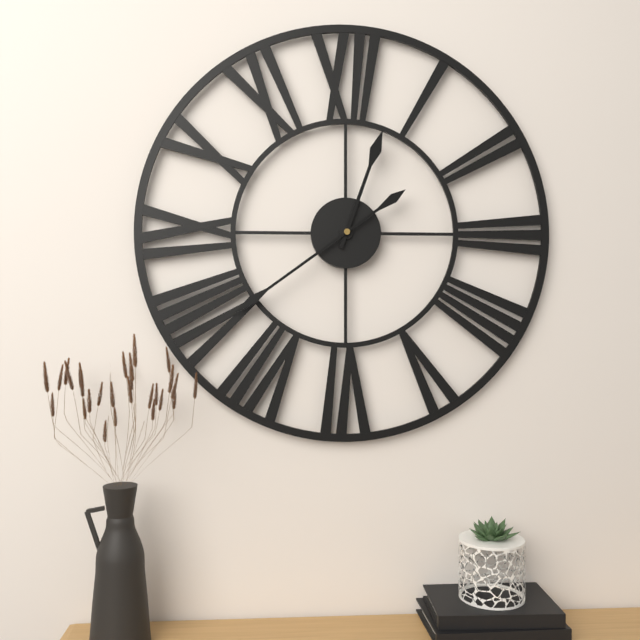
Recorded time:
{"hour": 12, "minute": 39}
